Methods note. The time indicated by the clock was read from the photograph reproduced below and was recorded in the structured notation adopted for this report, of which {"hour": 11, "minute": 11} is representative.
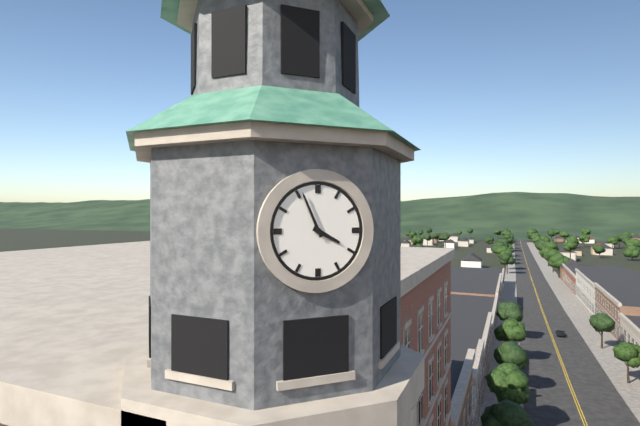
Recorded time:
{"hour": 3, "minute": 56}
